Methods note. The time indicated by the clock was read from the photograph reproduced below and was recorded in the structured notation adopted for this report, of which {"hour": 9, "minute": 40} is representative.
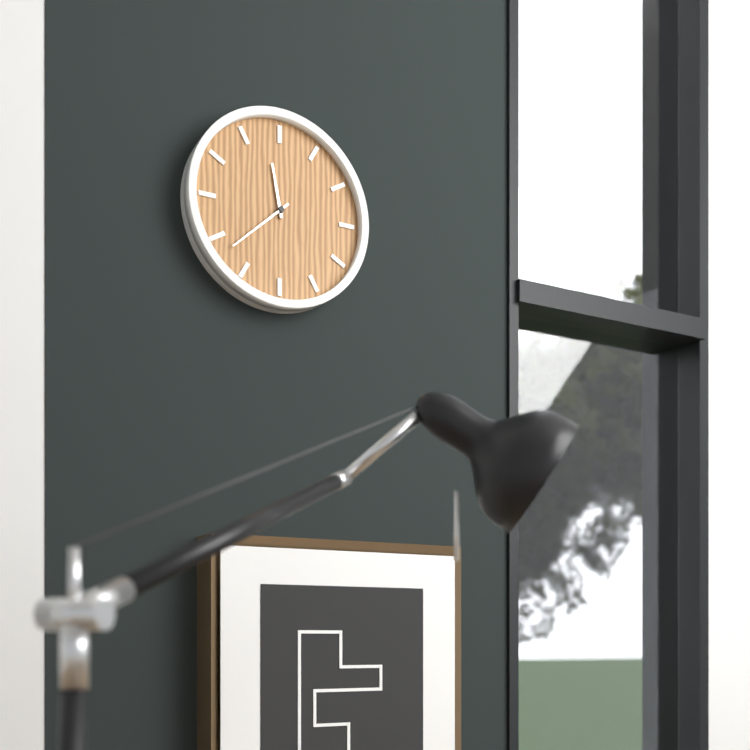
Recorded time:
{"hour": 11, "minute": 38}
